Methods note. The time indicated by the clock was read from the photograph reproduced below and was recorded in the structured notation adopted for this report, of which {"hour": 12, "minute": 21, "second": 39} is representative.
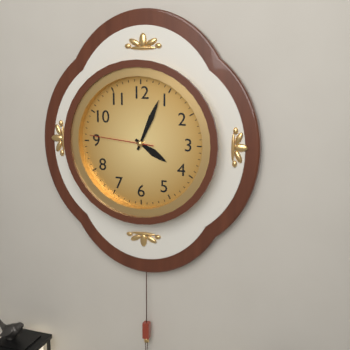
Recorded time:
{"hour": 4, "minute": 4, "second": 46}
